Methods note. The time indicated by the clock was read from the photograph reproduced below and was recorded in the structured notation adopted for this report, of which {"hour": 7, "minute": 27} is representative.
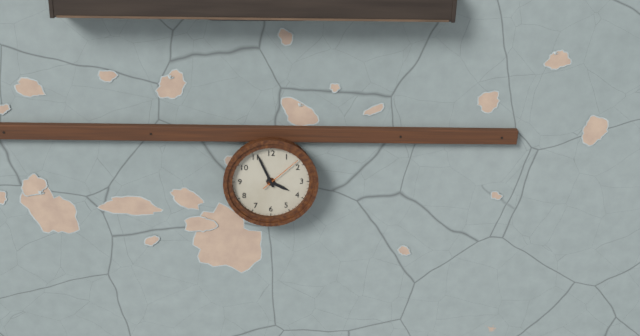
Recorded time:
{"hour": 3, "minute": 56}
